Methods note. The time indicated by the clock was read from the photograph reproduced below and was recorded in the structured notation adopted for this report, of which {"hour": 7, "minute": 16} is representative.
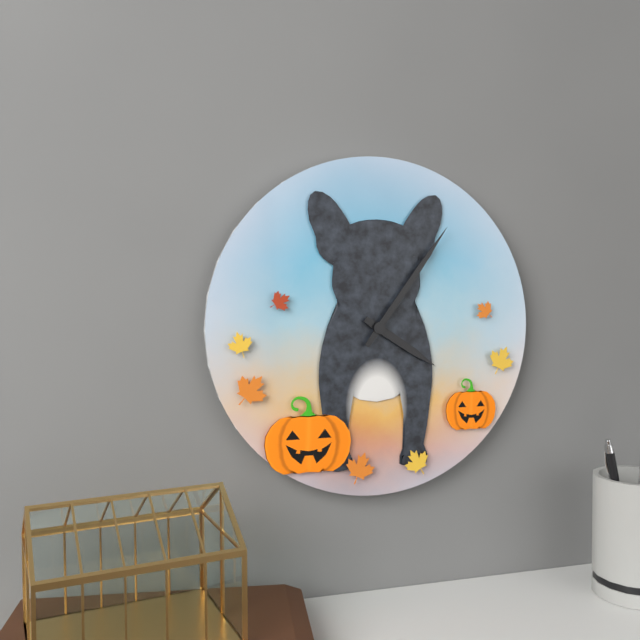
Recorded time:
{"hour": 4, "minute": 6}
